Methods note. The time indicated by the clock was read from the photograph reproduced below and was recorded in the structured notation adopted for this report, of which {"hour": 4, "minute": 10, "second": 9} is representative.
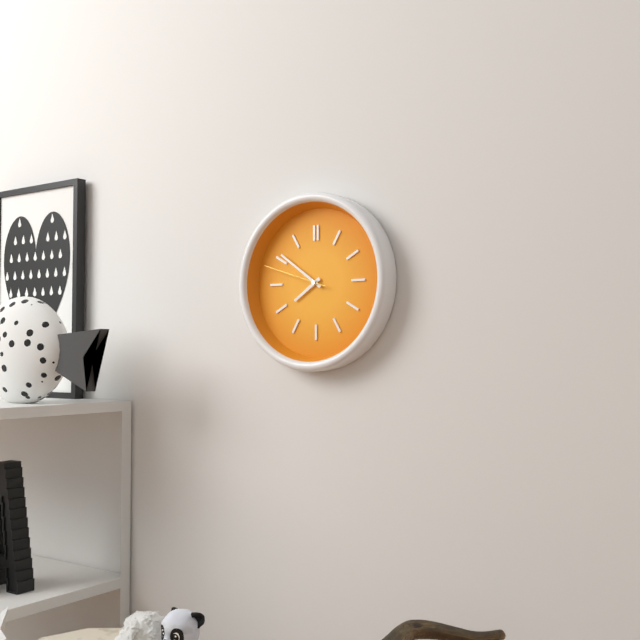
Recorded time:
{"hour": 7, "minute": 51, "second": 48}
